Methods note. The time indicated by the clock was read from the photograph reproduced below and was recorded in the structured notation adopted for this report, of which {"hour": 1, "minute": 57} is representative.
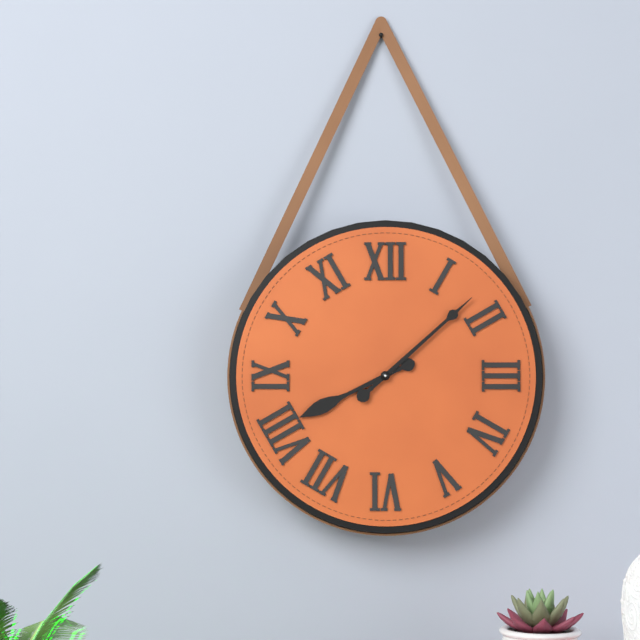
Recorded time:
{"hour": 8, "minute": 8}
